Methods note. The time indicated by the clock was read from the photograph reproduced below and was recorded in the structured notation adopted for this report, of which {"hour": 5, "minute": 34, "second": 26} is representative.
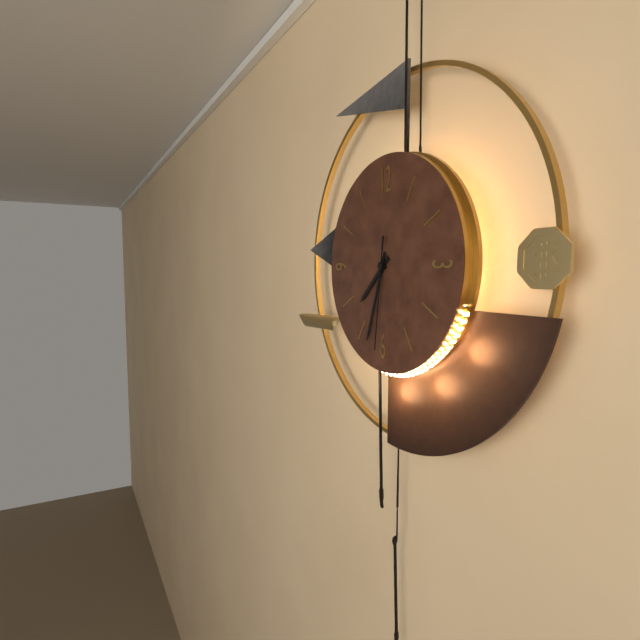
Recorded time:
{"hour": 7, "minute": 33, "second": 31}
